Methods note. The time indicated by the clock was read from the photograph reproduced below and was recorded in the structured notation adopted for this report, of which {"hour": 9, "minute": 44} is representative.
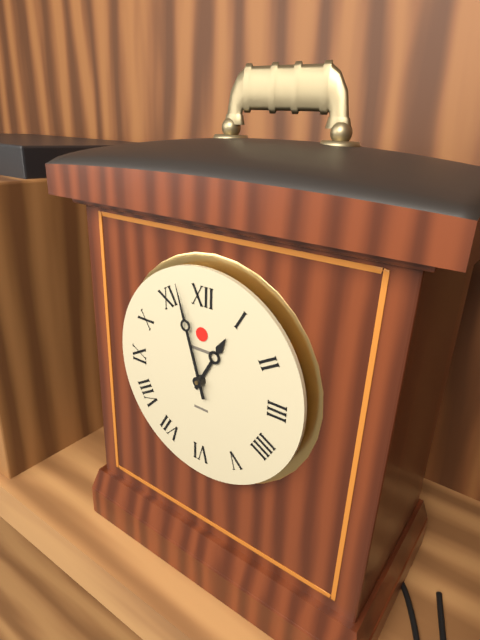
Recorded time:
{"hour": 12, "minute": 57}
